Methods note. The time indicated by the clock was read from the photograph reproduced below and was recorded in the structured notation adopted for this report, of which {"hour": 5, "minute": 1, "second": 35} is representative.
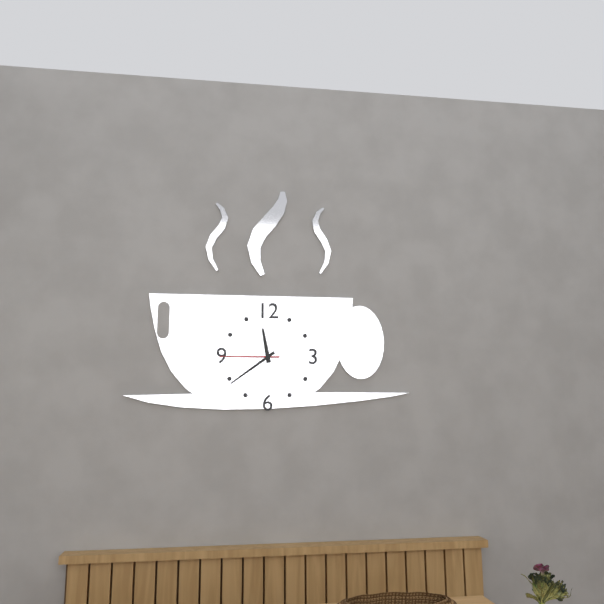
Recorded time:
{"hour": 11, "minute": 39, "second": 45}
